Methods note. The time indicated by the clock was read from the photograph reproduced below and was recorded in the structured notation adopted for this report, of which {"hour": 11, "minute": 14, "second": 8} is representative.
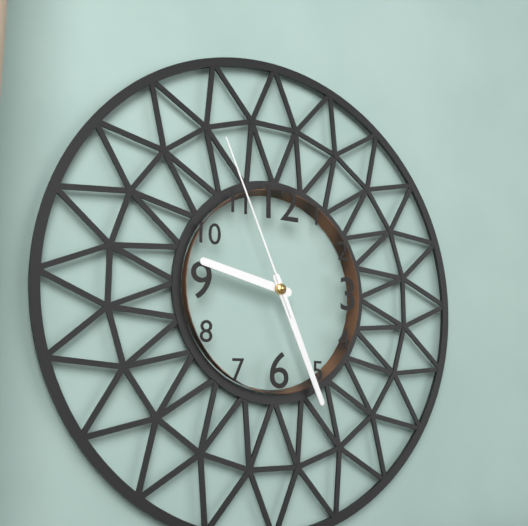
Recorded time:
{"hour": 9, "minute": 26, "second": 56}
